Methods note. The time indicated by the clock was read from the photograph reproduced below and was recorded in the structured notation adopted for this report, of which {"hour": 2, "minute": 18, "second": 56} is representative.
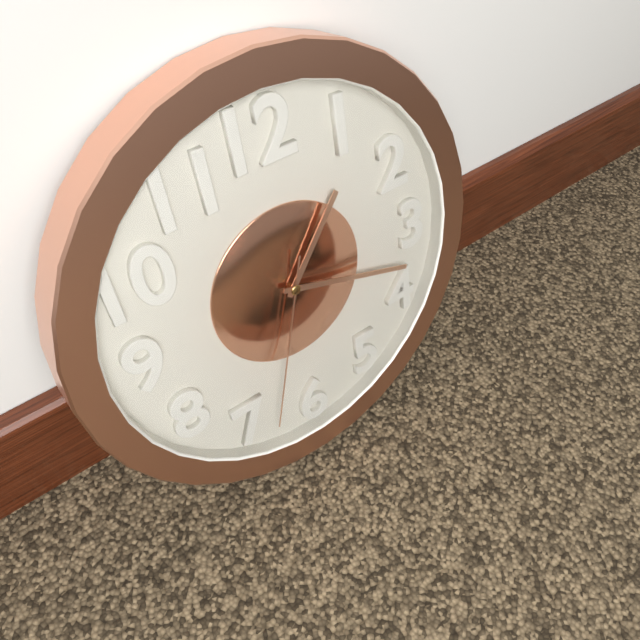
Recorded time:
{"hour": 1, "minute": 18, "second": 33}
